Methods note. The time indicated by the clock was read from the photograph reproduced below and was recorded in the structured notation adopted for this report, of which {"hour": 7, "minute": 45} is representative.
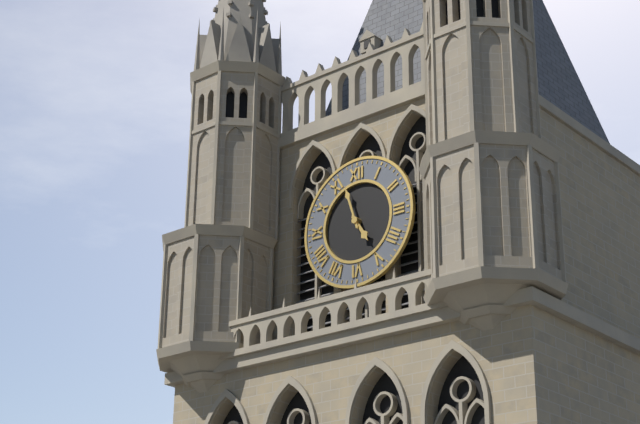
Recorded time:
{"hour": 4, "minute": 57}
